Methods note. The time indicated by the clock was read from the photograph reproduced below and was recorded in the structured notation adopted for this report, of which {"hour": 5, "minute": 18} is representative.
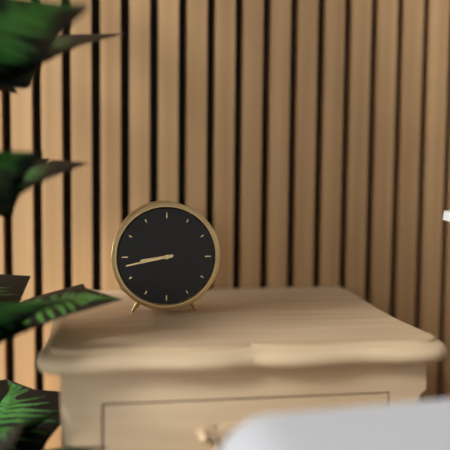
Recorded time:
{"hour": 8, "minute": 43}
